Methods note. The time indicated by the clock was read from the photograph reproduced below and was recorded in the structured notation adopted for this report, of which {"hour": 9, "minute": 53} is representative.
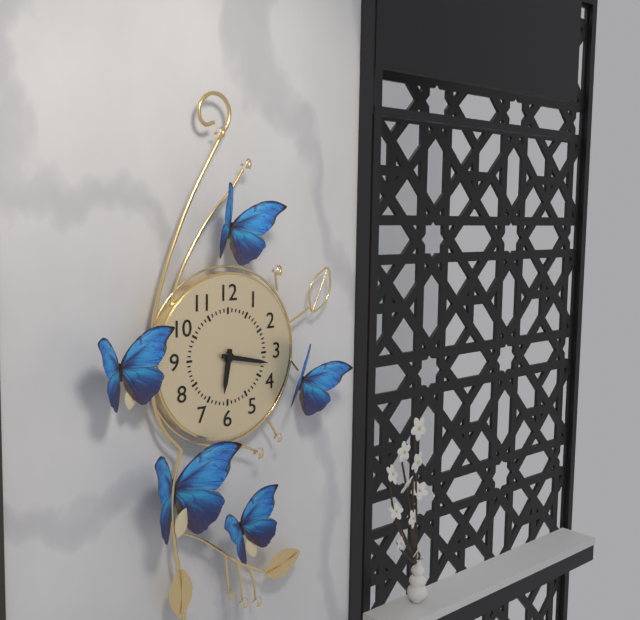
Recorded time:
{"hour": 6, "minute": 17}
